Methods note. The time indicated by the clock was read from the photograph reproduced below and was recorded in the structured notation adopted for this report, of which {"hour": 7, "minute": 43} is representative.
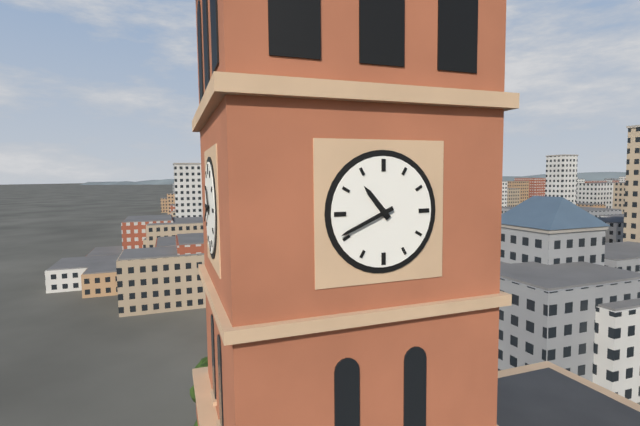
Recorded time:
{"hour": 10, "minute": 41}
